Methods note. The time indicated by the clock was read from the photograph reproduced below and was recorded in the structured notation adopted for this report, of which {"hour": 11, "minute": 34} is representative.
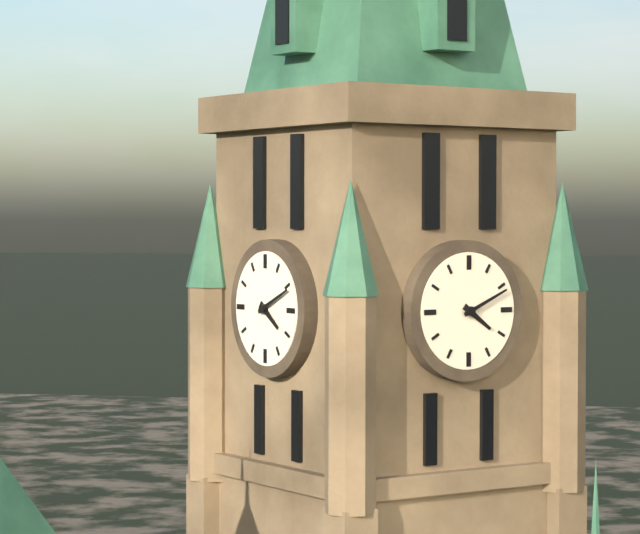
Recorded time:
{"hour": 4, "minute": 11}
